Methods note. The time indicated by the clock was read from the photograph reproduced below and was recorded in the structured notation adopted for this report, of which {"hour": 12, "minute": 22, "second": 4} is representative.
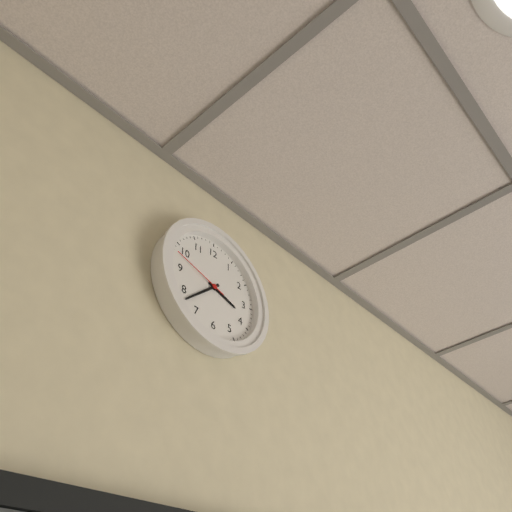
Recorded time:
{"hour": 3, "minute": 38, "second": 48}
